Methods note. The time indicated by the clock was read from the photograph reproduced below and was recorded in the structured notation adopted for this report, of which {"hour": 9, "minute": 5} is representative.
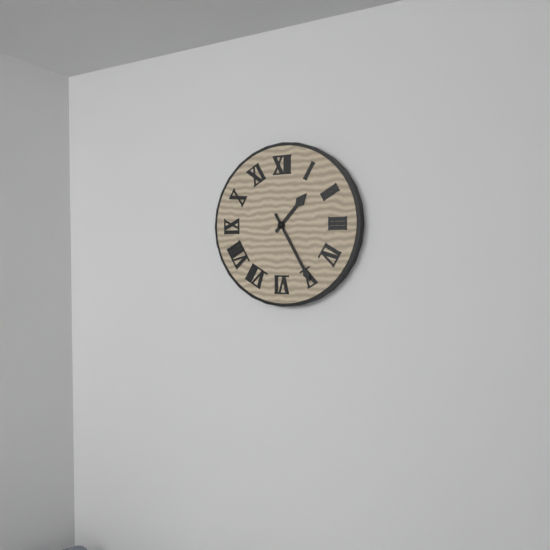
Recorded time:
{"hour": 1, "minute": 25}
